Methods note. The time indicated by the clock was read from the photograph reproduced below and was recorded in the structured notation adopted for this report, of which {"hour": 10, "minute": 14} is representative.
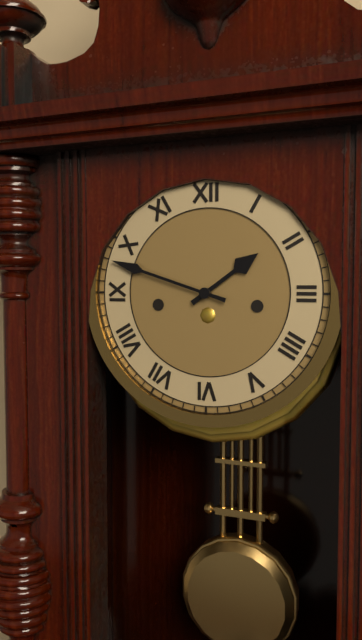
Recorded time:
{"hour": 1, "minute": 48}
